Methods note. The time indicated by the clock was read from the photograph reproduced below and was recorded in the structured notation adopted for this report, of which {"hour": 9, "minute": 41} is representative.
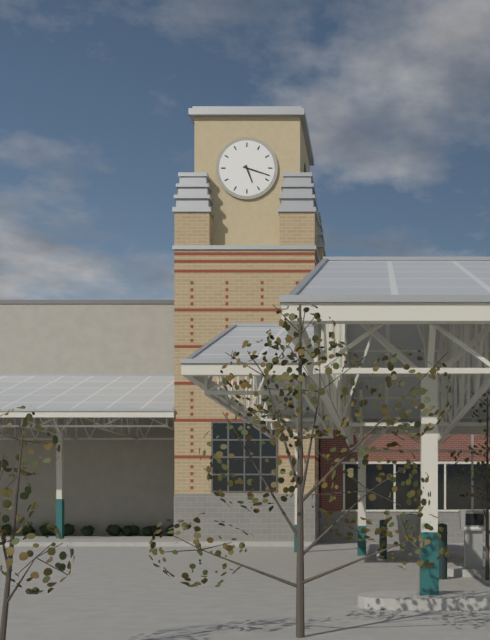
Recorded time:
{"hour": 5, "minute": 18}
